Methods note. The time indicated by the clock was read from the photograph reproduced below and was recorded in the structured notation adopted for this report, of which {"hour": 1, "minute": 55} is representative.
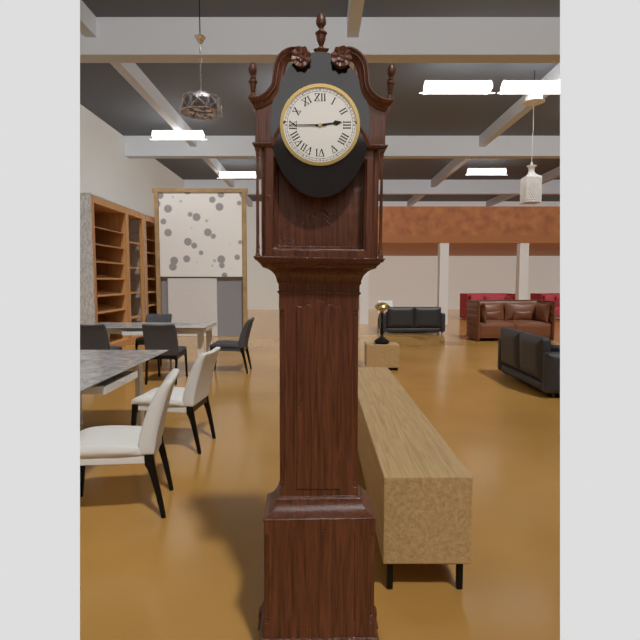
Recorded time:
{"hour": 2, "minute": 45}
